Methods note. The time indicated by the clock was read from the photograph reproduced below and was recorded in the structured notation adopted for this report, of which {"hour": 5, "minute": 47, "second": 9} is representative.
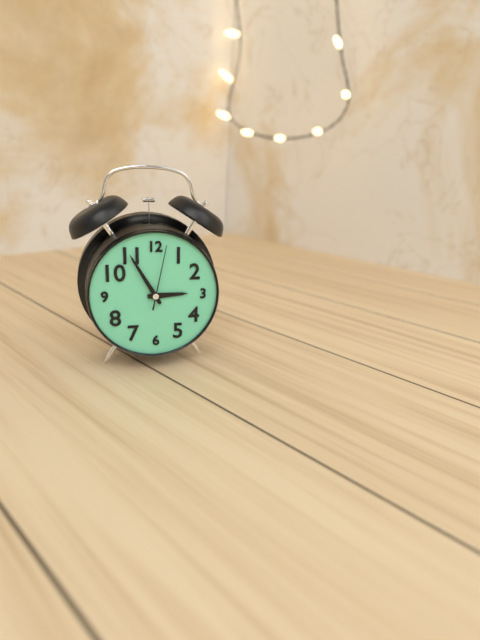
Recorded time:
{"hour": 2, "minute": 55, "second": 2}
